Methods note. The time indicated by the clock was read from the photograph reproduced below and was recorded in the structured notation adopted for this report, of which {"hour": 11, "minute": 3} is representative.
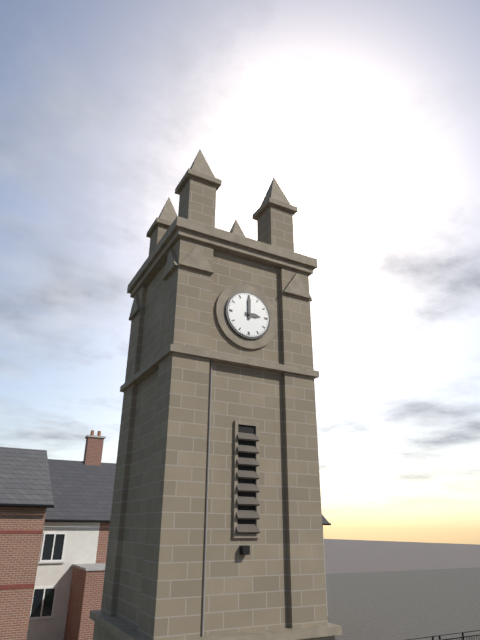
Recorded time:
{"hour": 3, "minute": 0}
